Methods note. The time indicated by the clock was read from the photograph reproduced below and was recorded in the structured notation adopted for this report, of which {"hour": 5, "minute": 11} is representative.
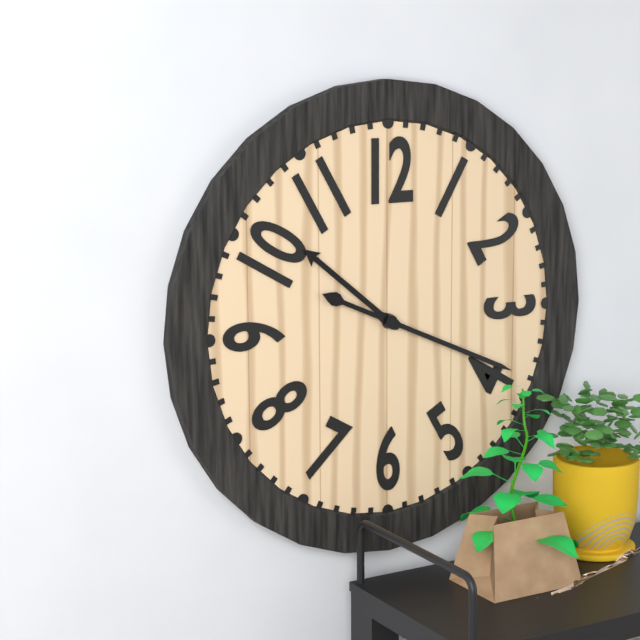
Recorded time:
{"hour": 10, "minute": 19}
